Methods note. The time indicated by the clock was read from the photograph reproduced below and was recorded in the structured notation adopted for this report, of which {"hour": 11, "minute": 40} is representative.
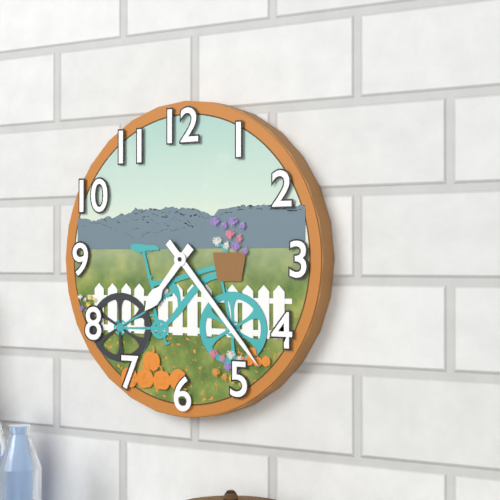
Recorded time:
{"hour": 7, "minute": 23}
